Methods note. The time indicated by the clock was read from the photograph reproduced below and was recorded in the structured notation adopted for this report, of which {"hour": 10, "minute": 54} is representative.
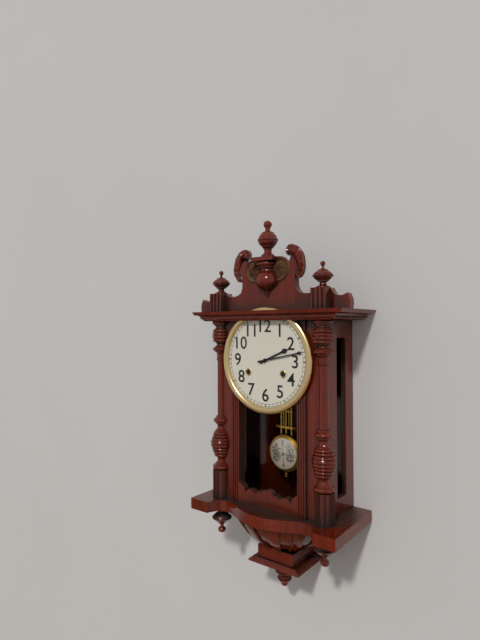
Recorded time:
{"hour": 2, "minute": 13}
